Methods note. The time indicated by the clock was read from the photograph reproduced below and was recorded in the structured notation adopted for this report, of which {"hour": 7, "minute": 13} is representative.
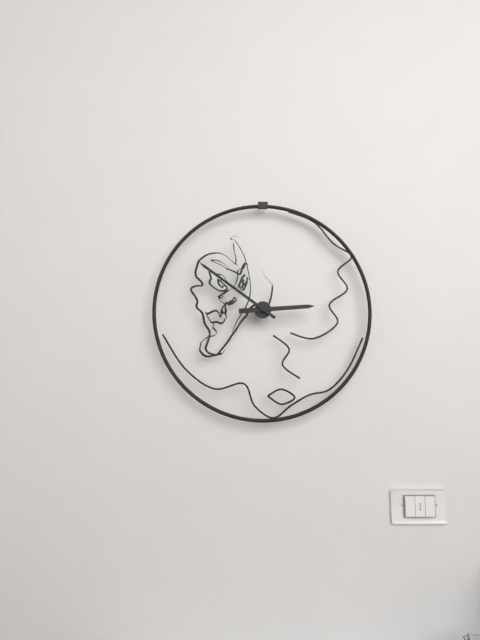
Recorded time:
{"hour": 2, "minute": 51}
